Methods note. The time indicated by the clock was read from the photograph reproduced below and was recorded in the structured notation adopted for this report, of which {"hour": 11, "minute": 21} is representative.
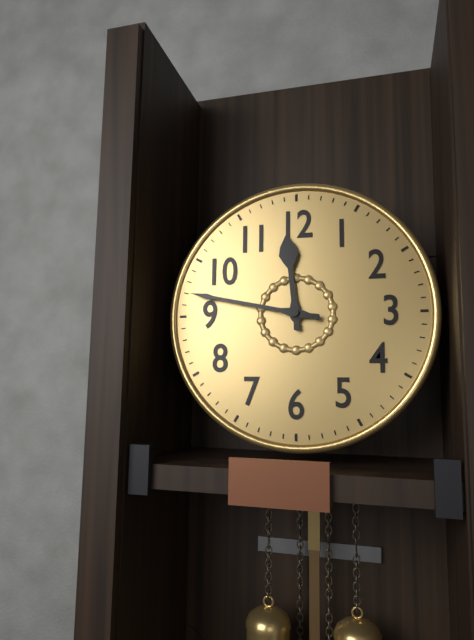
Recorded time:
{"hour": 11, "minute": 47}
